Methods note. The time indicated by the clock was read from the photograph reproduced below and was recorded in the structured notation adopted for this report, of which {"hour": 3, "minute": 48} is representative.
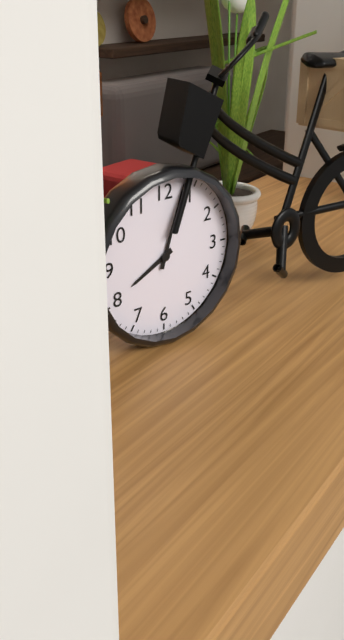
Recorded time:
{"hour": 8, "minute": 3}
